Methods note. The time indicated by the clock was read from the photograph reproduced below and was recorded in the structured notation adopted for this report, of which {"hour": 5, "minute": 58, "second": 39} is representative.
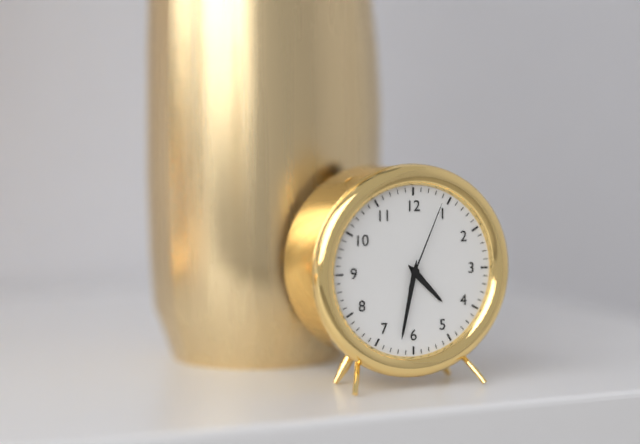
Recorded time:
{"hour": 4, "minute": 32, "second": 4}
